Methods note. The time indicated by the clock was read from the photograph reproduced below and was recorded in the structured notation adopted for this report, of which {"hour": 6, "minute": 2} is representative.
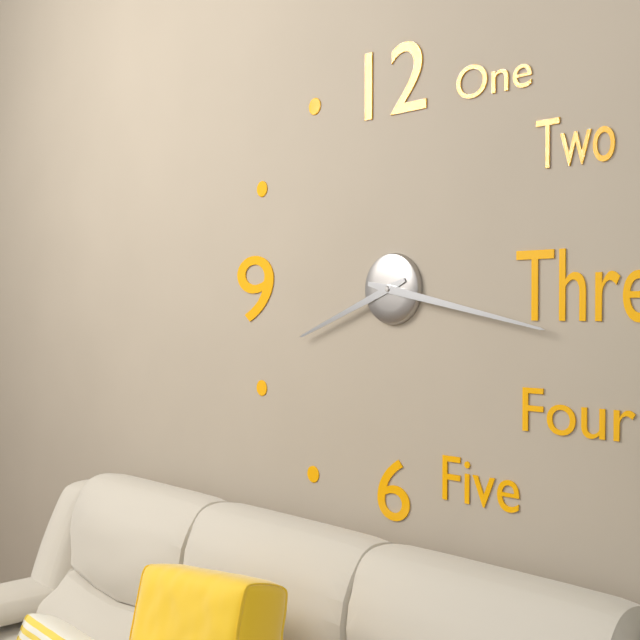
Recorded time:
{"hour": 8, "minute": 17}
